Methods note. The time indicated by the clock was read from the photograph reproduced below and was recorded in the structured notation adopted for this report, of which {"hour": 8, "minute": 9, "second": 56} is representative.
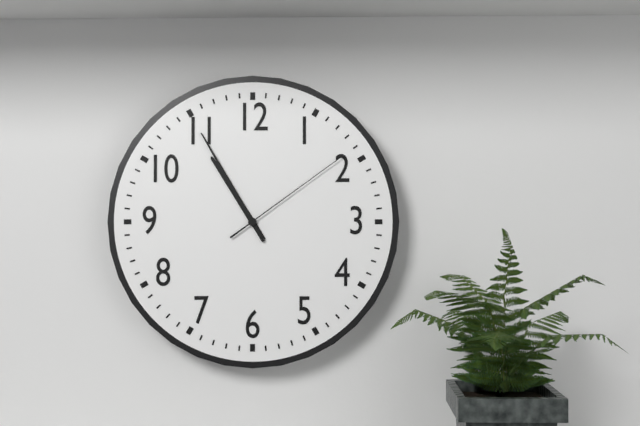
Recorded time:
{"hour": 10, "minute": 55, "second": 9}
